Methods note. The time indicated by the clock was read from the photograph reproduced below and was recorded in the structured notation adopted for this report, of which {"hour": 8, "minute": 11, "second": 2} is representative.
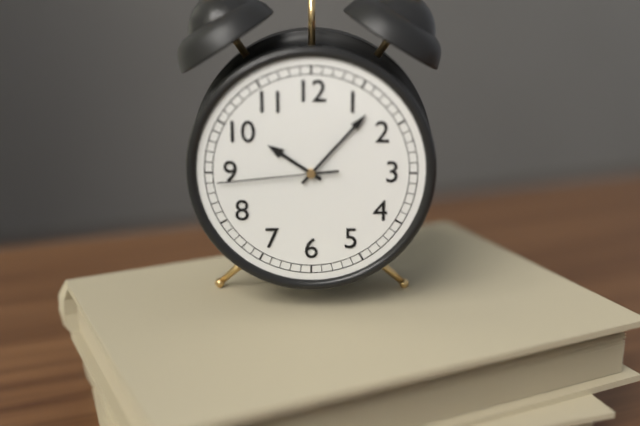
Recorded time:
{"hour": 10, "minute": 7, "second": 44}
